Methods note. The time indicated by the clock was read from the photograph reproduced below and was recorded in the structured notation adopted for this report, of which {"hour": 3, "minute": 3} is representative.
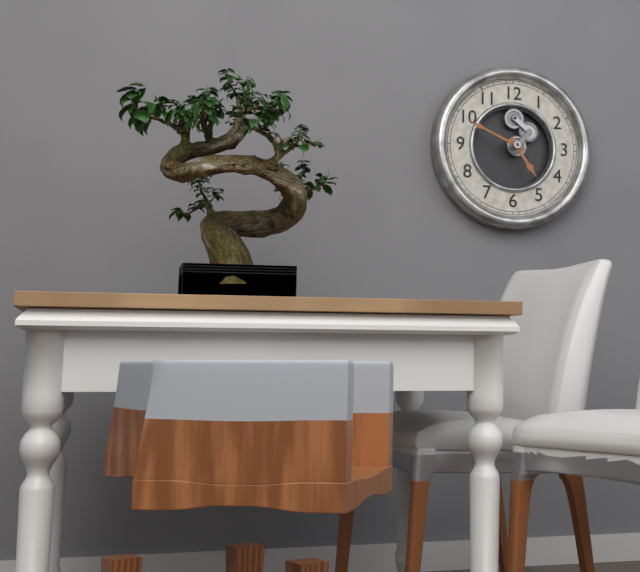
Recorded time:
{"hour": 4, "minute": 49}
